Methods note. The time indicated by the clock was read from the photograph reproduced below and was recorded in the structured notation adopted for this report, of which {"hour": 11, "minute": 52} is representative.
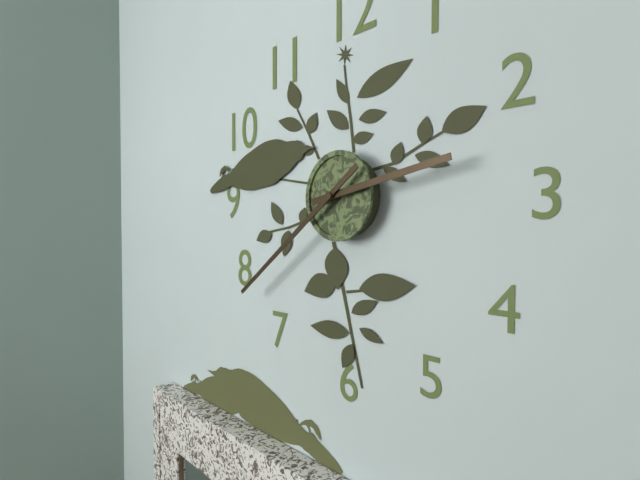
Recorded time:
{"hour": 2, "minute": 39}
